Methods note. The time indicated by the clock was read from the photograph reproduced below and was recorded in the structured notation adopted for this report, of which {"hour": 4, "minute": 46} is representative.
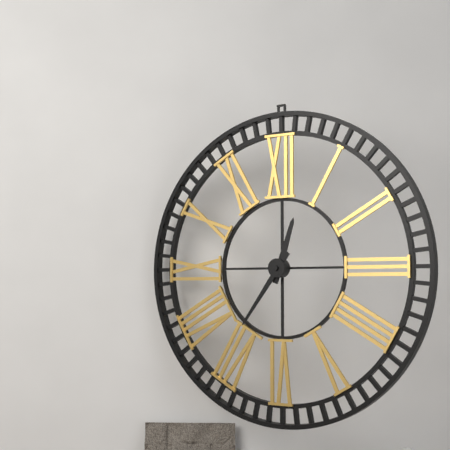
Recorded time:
{"hour": 12, "minute": 36}
